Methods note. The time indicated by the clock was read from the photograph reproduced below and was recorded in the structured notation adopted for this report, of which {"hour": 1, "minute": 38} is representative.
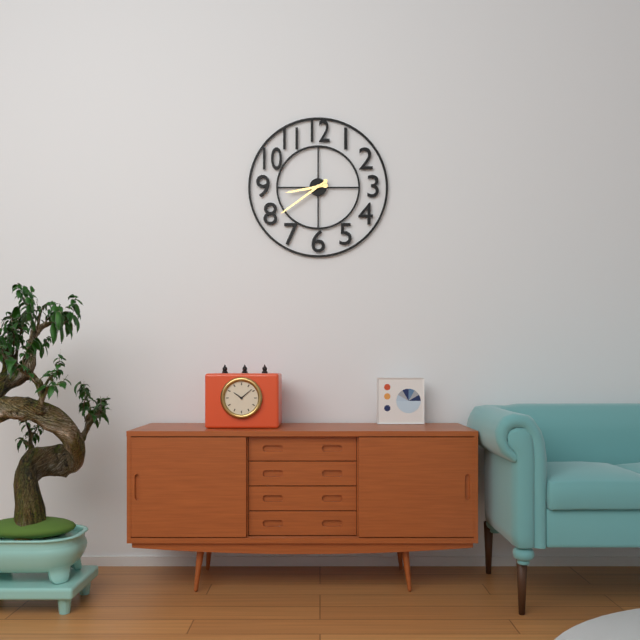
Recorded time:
{"hour": 8, "minute": 39}
